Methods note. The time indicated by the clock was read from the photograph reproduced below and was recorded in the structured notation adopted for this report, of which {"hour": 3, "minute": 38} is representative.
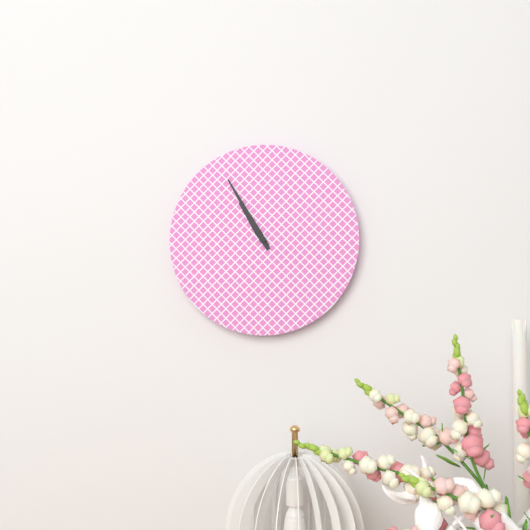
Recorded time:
{"hour": 10, "minute": 55}
